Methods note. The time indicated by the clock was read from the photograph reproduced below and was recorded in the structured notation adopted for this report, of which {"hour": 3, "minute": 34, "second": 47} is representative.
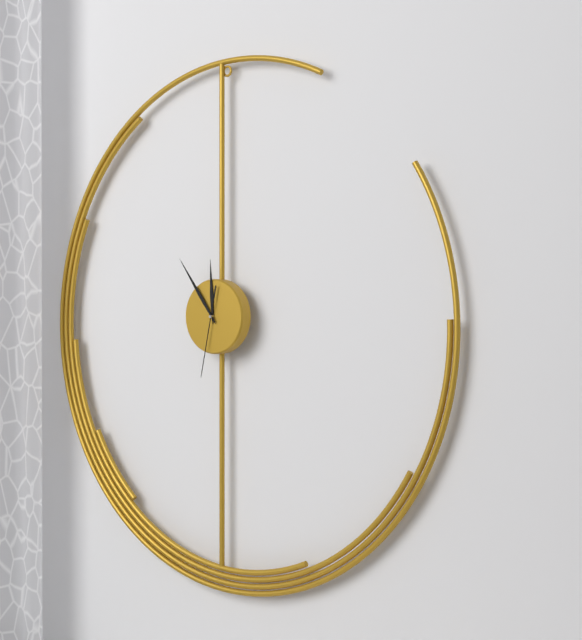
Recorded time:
{"hour": 11, "minute": 54, "second": 32}
